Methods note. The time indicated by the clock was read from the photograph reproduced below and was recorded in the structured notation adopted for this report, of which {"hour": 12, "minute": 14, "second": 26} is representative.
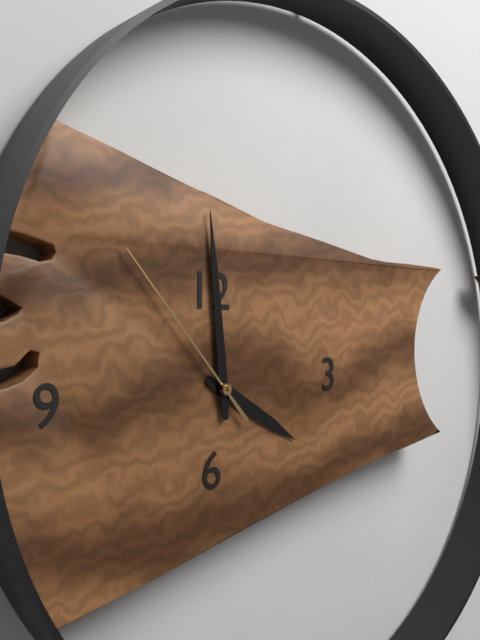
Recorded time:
{"hour": 3, "minute": 59, "second": 53}
